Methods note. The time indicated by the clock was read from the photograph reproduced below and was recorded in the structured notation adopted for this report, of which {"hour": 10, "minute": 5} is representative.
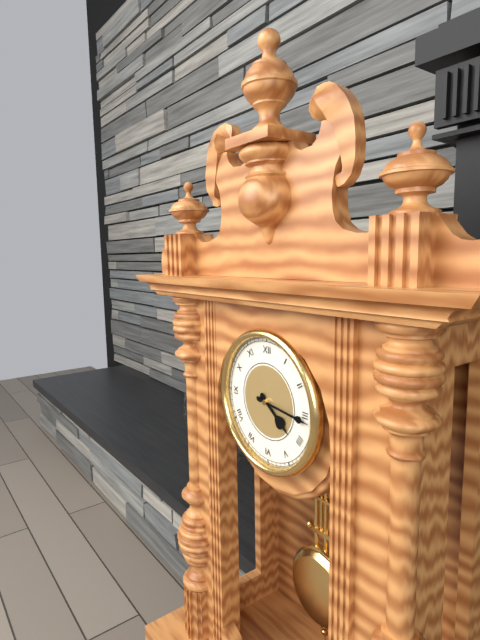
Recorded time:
{"hour": 4, "minute": 16}
